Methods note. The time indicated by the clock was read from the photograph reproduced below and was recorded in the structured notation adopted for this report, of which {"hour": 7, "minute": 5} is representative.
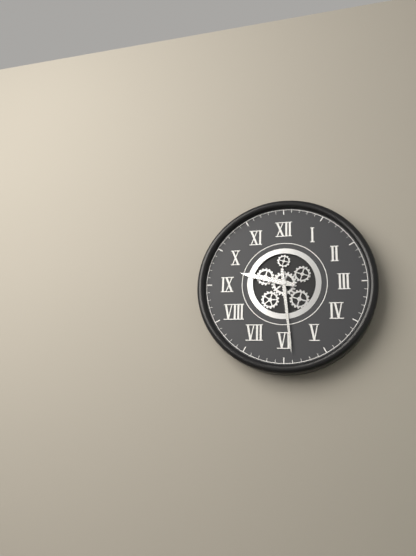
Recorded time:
{"hour": 9, "minute": 29}
